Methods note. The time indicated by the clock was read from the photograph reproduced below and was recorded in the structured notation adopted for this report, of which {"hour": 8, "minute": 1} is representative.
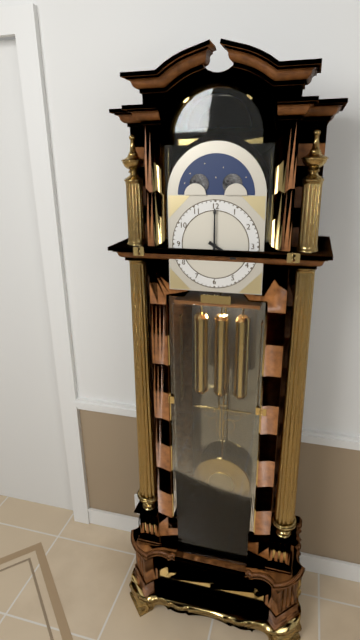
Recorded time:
{"hour": 4, "minute": 0}
